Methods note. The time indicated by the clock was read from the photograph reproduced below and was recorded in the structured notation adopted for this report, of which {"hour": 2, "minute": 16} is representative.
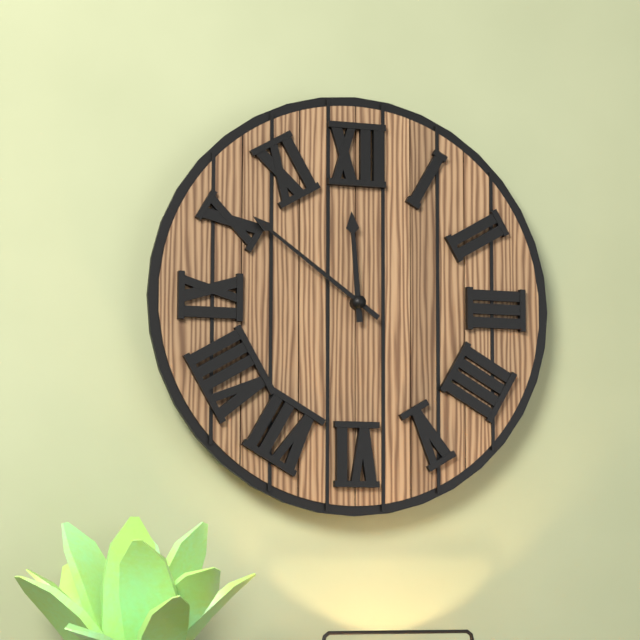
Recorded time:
{"hour": 11, "minute": 51}
